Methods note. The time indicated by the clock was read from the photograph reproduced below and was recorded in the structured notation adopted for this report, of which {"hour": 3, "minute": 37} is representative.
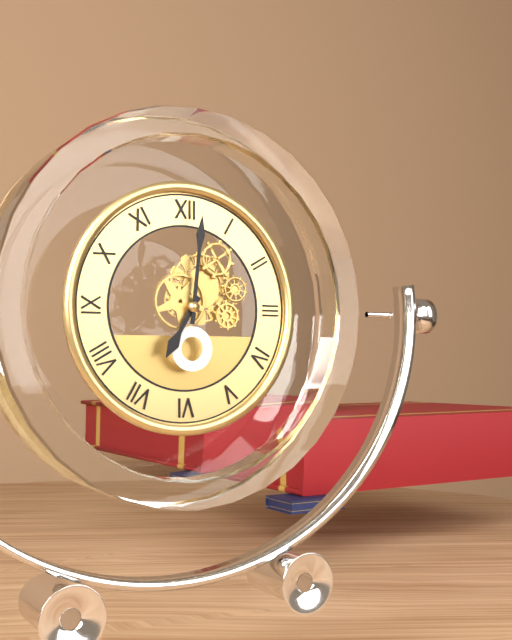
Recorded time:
{"hour": 7, "minute": 1}
